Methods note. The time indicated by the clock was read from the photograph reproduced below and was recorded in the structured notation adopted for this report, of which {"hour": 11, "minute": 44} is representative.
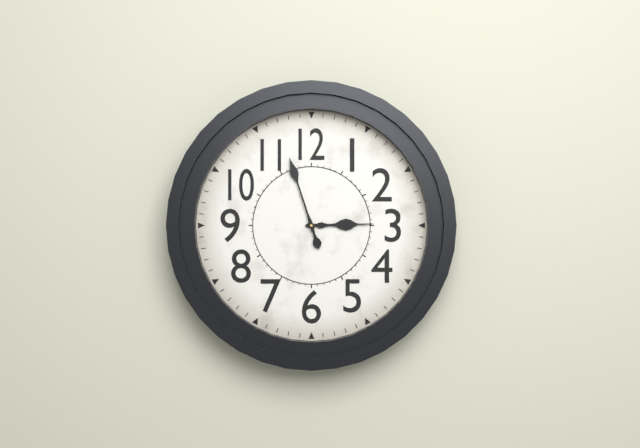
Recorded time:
{"hour": 2, "minute": 57}
